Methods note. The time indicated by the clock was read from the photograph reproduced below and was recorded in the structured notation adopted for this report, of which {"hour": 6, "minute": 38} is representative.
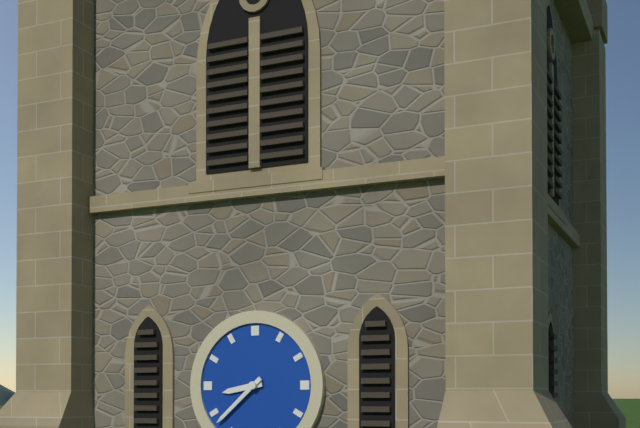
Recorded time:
{"hour": 8, "minute": 38}
